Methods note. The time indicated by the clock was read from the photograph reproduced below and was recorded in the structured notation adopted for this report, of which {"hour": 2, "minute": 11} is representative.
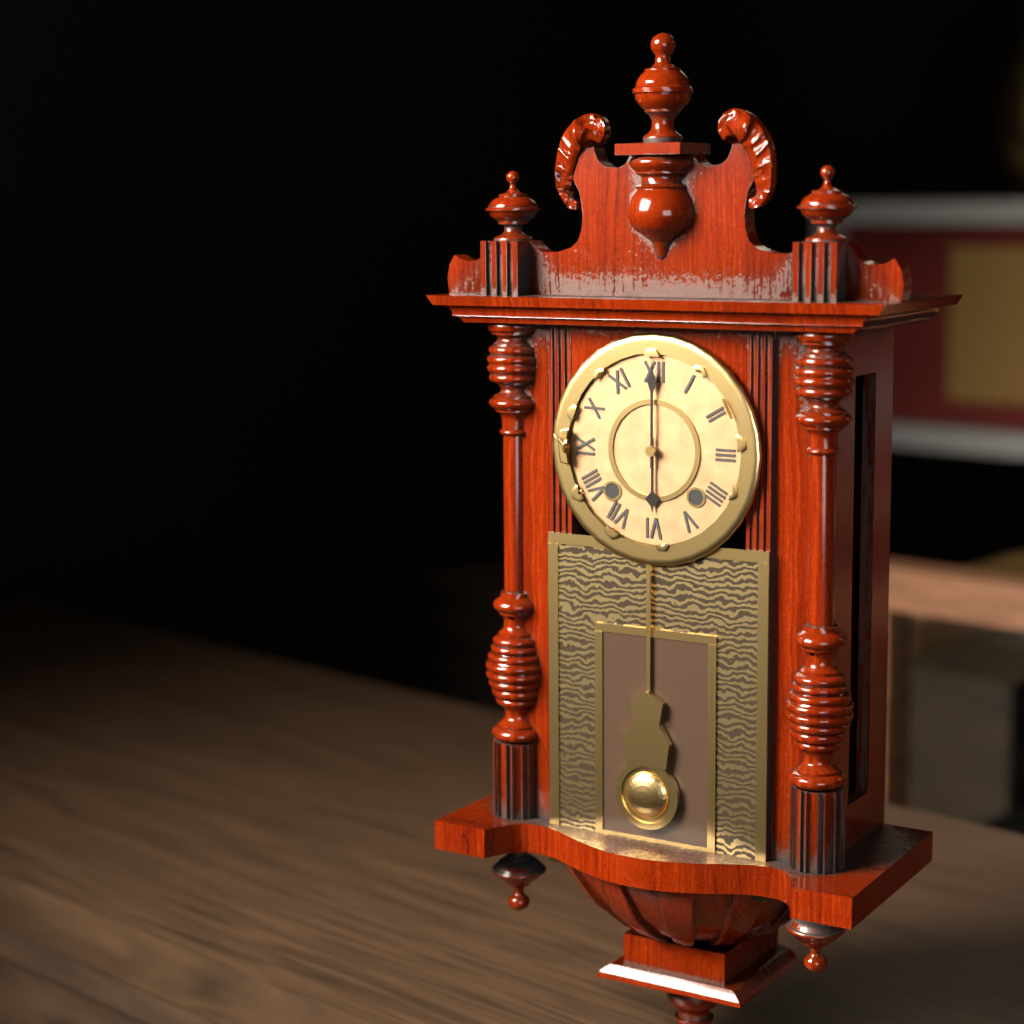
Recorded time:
{"hour": 6, "minute": 0}
